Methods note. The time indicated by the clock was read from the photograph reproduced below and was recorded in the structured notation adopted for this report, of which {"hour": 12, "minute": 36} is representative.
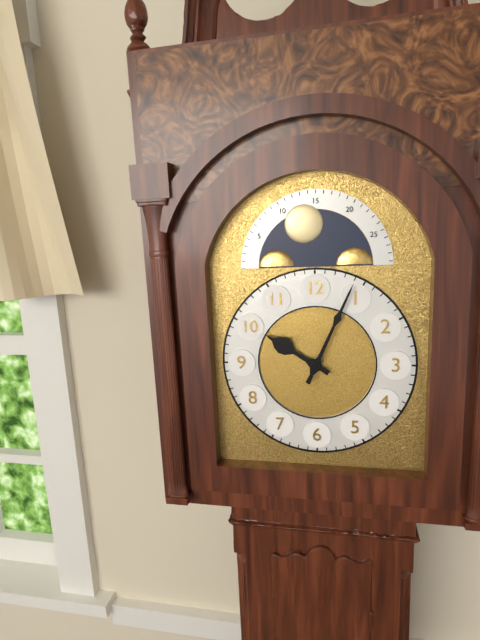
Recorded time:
{"hour": 10, "minute": 4}
